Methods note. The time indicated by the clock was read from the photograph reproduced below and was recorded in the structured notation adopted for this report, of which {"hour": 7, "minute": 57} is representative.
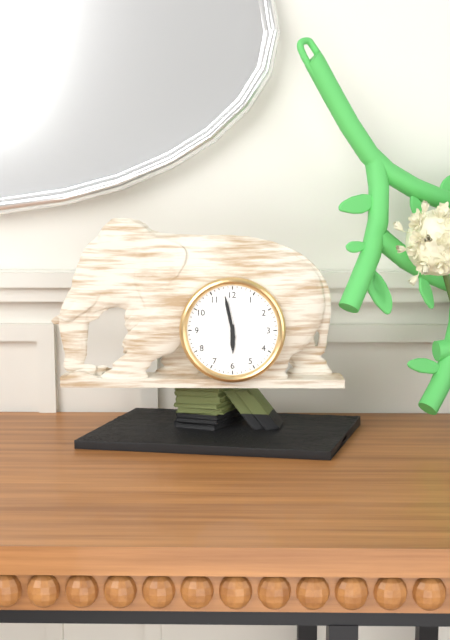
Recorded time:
{"hour": 5, "minute": 58}
